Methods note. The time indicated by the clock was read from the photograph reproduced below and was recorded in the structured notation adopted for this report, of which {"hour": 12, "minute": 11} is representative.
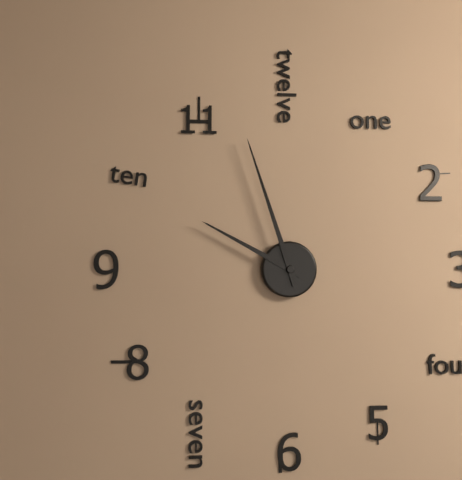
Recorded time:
{"hour": 9, "minute": 57}
